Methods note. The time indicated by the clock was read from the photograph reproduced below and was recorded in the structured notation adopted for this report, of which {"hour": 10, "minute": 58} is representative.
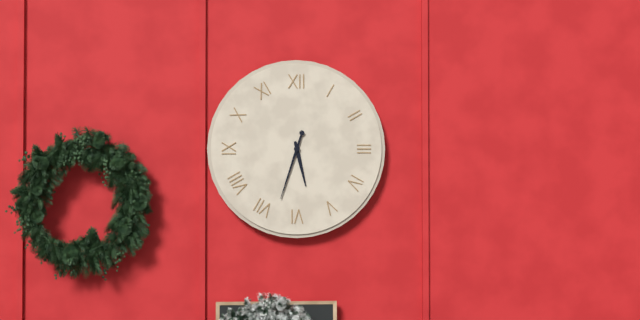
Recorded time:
{"hour": 5, "minute": 33}
